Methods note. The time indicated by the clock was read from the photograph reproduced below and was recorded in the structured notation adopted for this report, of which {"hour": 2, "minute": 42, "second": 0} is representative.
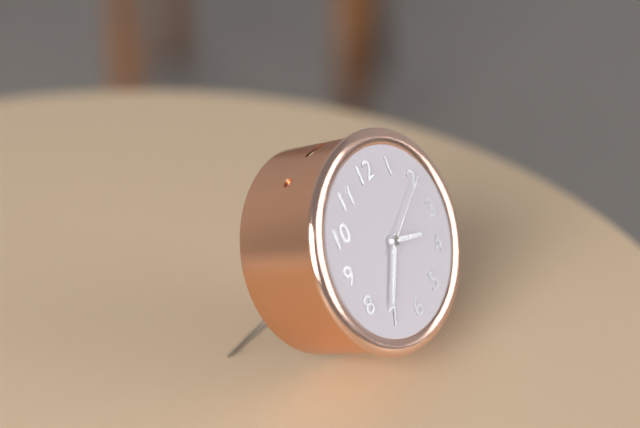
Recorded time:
{"hour": 3, "minute": 36, "second": 10}
